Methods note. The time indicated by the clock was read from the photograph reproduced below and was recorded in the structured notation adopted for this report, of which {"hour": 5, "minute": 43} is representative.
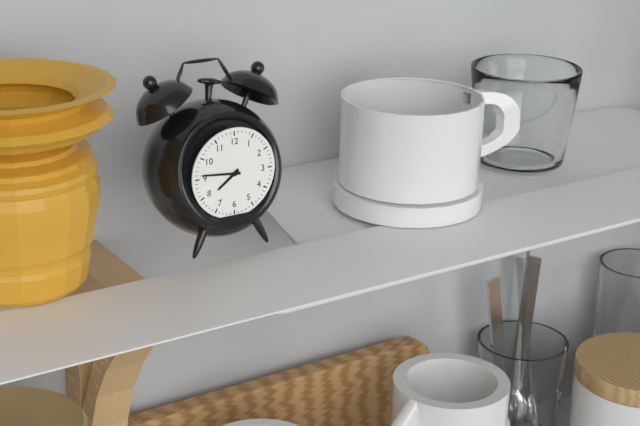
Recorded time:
{"hour": 7, "minute": 46}
